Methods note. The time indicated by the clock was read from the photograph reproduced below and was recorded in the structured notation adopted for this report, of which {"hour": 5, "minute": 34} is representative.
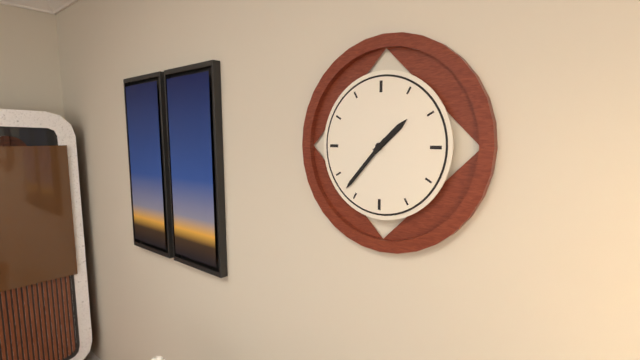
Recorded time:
{"hour": 1, "minute": 37}
